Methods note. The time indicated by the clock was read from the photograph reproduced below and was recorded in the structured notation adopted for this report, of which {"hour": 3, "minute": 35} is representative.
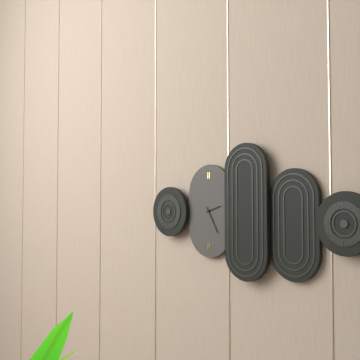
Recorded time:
{"hour": 2, "minute": 25}
